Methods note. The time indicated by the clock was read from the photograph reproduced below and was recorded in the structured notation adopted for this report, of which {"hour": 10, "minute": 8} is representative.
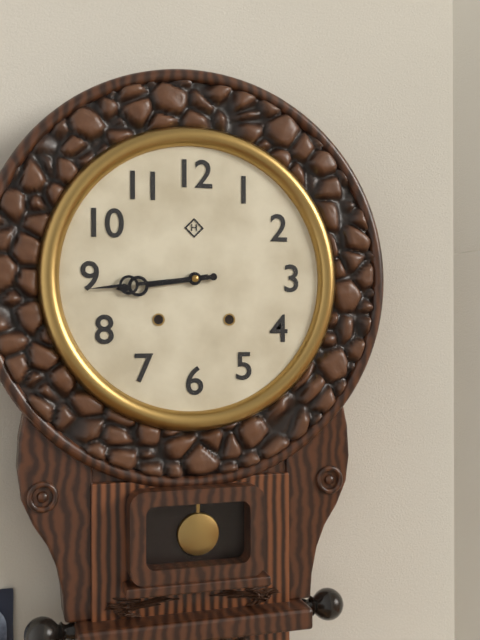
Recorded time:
{"hour": 8, "minute": 44}
